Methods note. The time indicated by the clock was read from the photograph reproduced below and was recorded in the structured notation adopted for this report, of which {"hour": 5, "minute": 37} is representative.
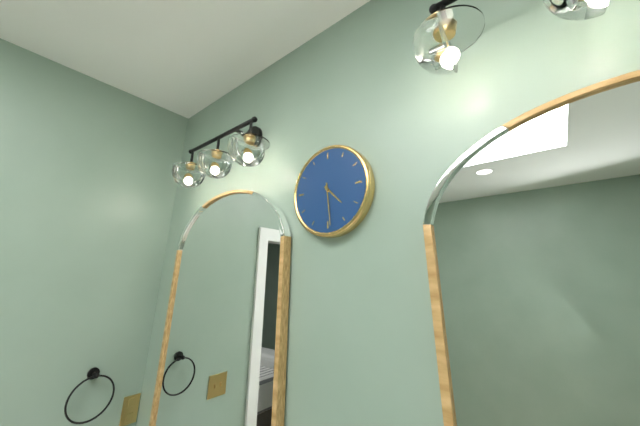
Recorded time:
{"hour": 4, "minute": 29}
